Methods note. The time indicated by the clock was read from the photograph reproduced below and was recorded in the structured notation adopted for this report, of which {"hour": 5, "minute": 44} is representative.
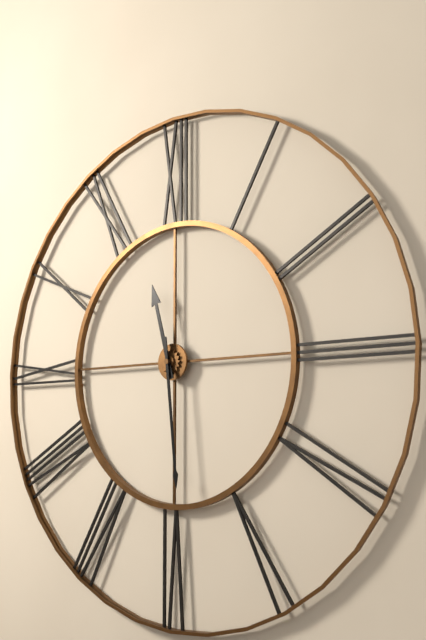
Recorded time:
{"hour": 11, "minute": 29}
